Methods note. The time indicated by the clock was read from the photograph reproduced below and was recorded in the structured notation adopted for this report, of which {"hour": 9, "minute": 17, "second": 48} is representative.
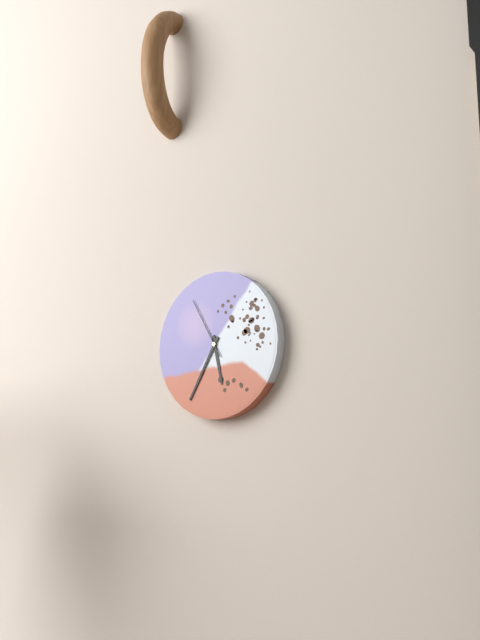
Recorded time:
{"hour": 5, "minute": 35, "second": 55}
